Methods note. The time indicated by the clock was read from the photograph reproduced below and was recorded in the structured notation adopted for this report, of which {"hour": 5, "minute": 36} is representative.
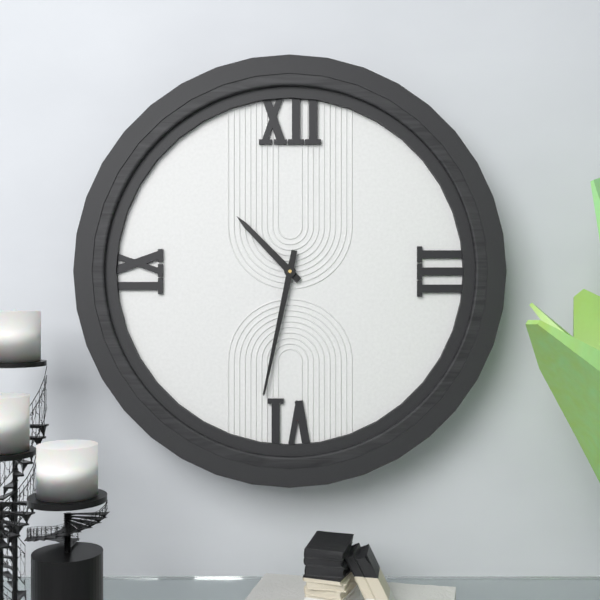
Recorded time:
{"hour": 10, "minute": 32}
